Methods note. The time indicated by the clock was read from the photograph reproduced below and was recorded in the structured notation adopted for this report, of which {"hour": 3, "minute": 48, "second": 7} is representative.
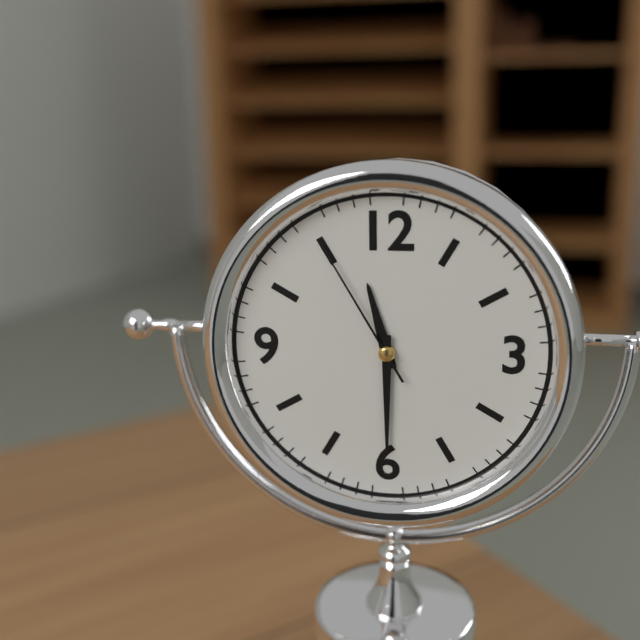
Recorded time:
{"hour": 11, "minute": 30, "second": 55}
